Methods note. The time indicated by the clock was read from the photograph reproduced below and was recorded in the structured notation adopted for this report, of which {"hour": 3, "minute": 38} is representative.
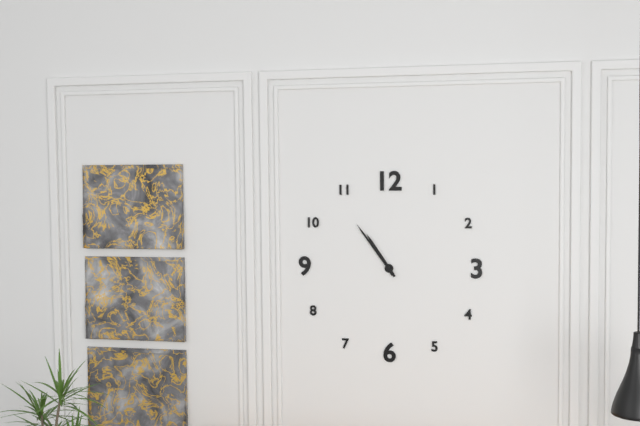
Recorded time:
{"hour": 10, "minute": 54}
